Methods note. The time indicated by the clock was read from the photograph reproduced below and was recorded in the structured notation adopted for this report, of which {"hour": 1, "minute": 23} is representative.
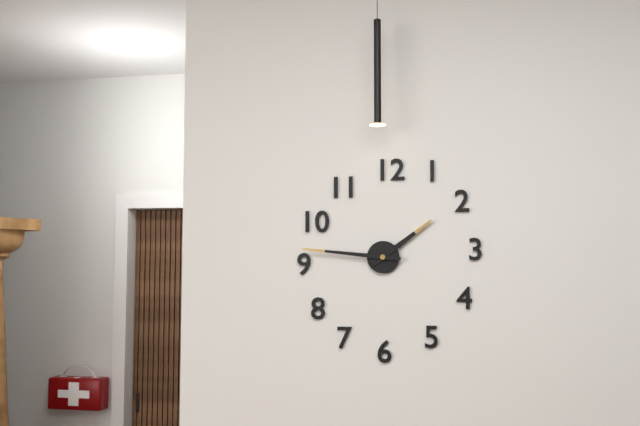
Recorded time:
{"hour": 1, "minute": 46}
